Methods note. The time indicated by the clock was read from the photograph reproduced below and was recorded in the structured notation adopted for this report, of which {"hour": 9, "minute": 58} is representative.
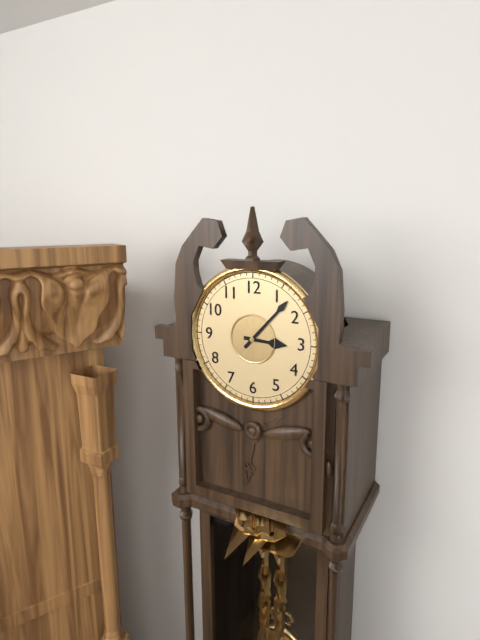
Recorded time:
{"hour": 3, "minute": 7}
